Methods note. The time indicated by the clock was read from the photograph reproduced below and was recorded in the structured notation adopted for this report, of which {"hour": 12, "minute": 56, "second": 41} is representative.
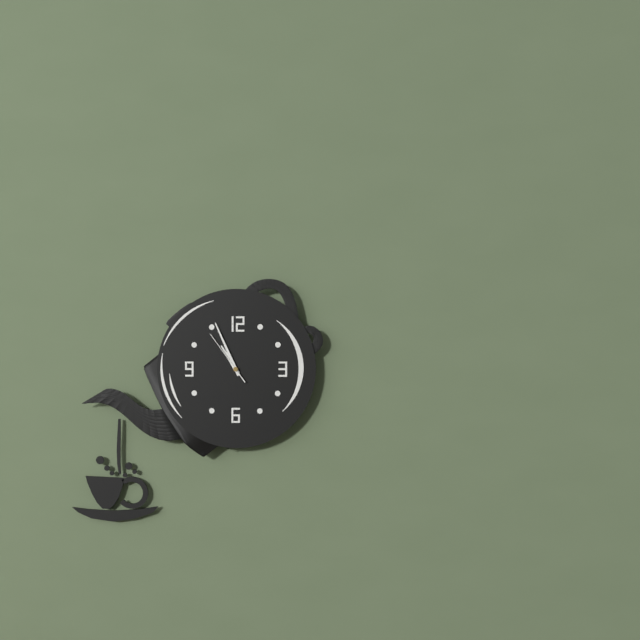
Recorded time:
{"hour": 10, "minute": 56, "second": 54}
